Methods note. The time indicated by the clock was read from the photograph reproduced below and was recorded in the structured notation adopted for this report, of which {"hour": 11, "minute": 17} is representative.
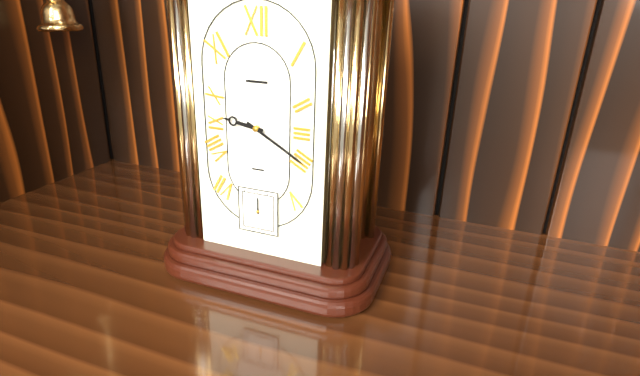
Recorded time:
{"hour": 9, "minute": 20}
